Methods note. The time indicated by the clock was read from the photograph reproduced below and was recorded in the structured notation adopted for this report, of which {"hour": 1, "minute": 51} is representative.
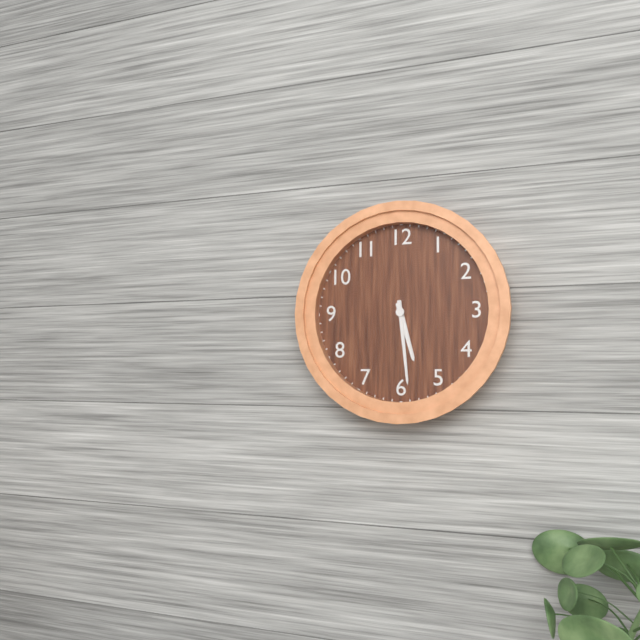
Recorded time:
{"hour": 5, "minute": 29}
